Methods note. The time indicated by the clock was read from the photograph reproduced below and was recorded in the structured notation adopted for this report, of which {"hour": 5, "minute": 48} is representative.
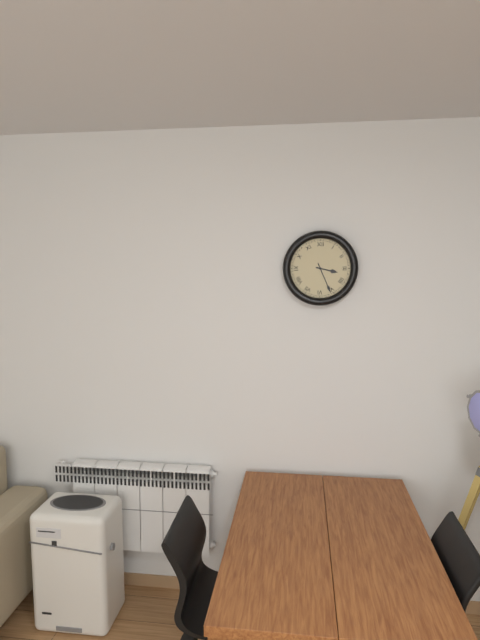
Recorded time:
{"hour": 3, "minute": 26}
